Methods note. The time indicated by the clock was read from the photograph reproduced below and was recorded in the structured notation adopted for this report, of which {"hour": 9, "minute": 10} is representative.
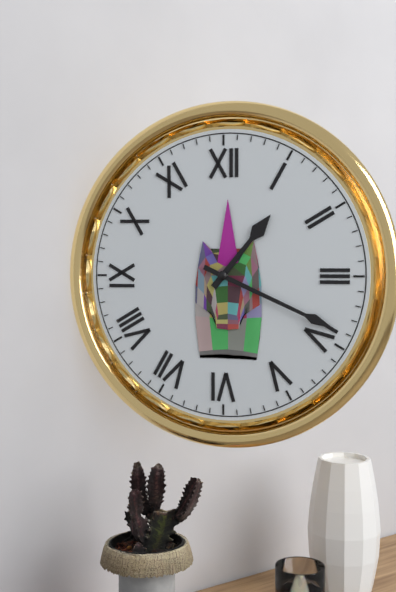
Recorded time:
{"hour": 1, "minute": 19}
